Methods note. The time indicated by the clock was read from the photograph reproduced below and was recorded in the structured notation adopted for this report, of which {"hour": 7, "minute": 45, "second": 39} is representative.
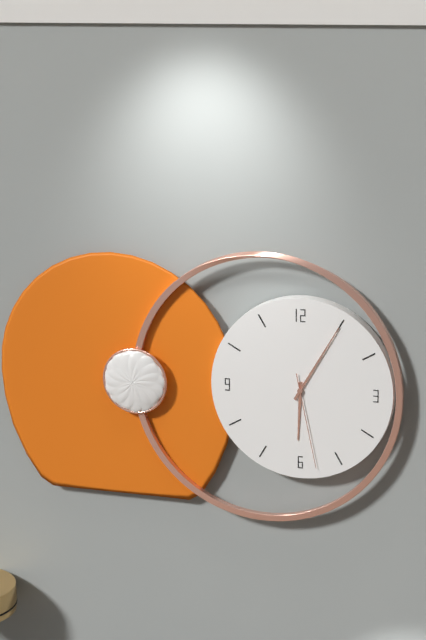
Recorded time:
{"hour": 6, "minute": 5, "second": 28}
